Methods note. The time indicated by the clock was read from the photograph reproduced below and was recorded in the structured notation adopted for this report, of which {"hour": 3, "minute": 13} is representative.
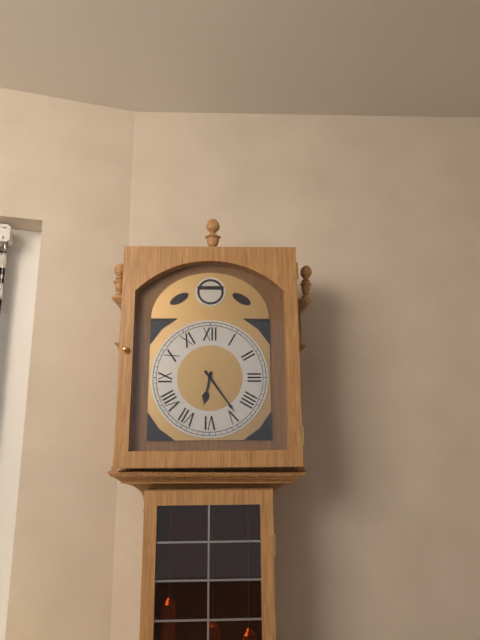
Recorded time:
{"hour": 6, "minute": 24}
